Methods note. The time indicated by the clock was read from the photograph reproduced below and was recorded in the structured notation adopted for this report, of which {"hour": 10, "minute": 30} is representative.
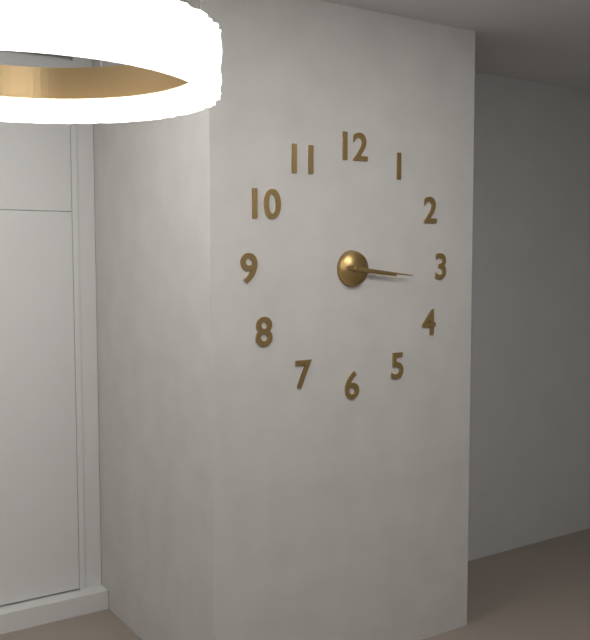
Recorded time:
{"hour": 3, "minute": 16}
